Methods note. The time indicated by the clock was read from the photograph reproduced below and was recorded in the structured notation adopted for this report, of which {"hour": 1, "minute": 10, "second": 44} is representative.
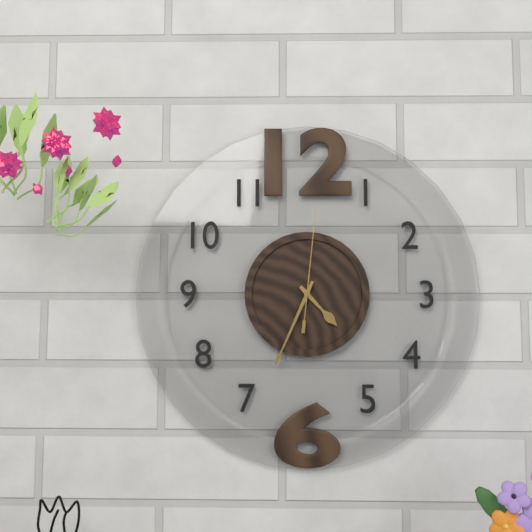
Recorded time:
{"hour": 4, "minute": 34, "second": 1}
